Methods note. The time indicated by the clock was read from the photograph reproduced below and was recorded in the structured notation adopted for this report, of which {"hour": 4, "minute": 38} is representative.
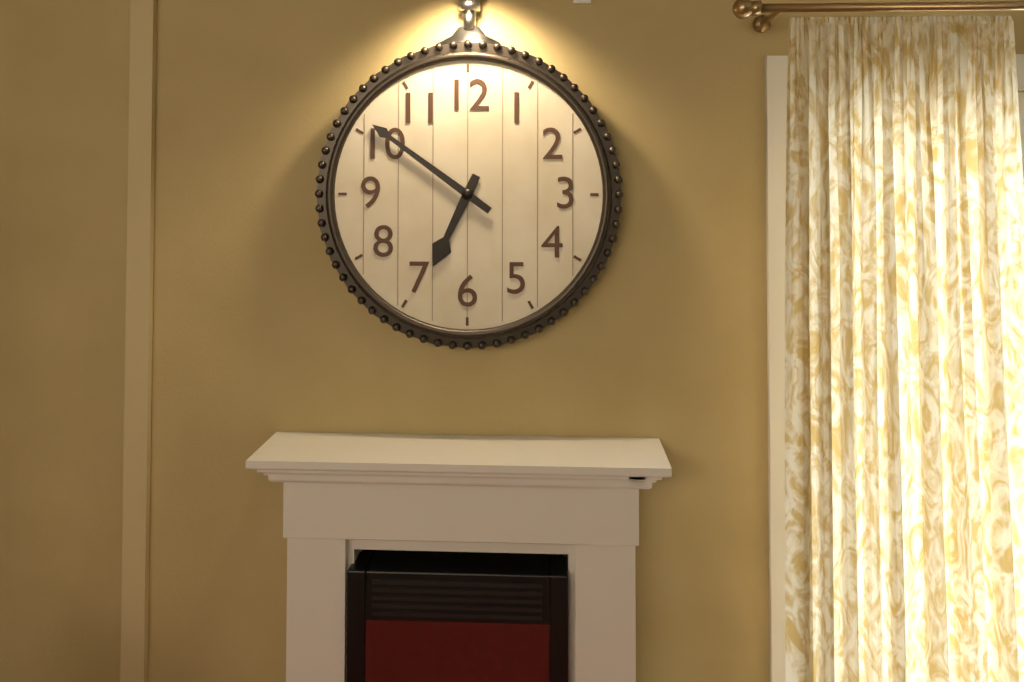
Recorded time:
{"hour": 6, "minute": 51}
